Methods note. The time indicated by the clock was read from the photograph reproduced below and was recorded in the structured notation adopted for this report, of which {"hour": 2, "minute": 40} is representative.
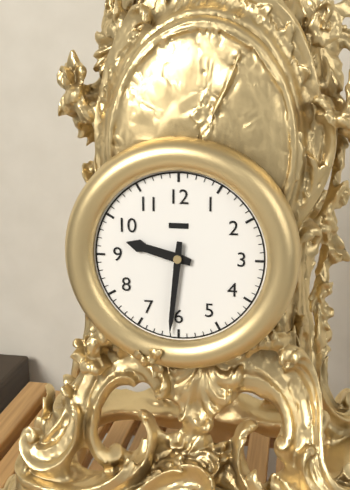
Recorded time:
{"hour": 9, "minute": 31}
